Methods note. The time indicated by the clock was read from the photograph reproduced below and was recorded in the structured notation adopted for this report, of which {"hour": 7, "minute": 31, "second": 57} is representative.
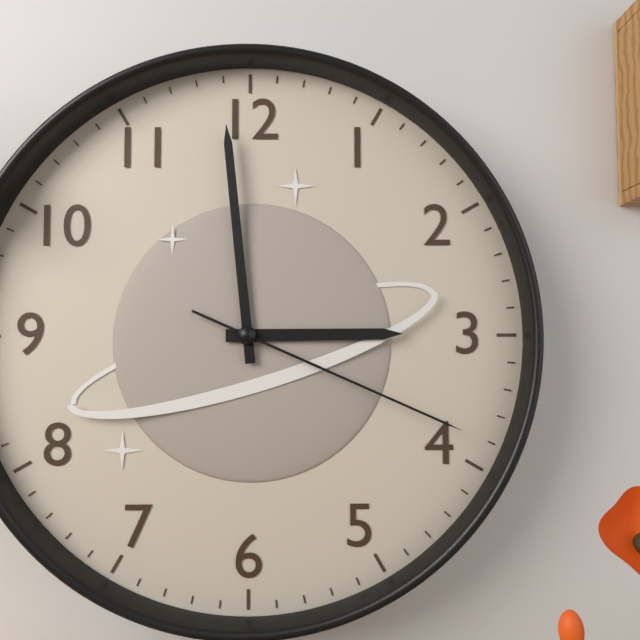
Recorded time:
{"hour": 2, "minute": 59, "second": 19}
